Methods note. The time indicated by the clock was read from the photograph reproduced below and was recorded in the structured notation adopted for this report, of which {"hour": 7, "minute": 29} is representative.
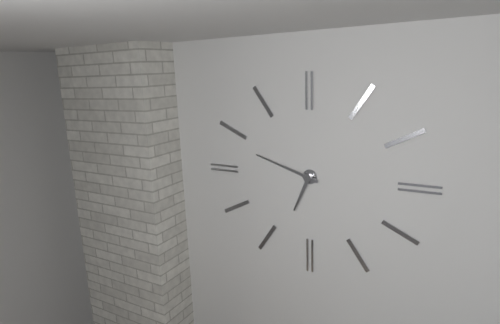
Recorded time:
{"hour": 6, "minute": 48}
